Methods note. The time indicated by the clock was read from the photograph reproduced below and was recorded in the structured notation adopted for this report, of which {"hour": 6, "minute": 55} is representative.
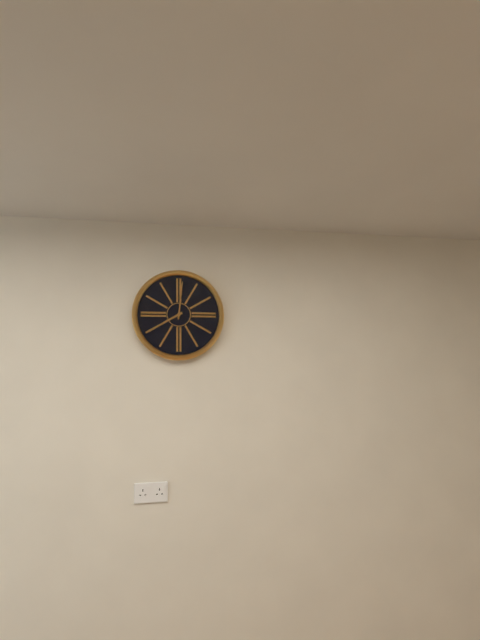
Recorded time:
{"hour": 8, "minute": 1}
